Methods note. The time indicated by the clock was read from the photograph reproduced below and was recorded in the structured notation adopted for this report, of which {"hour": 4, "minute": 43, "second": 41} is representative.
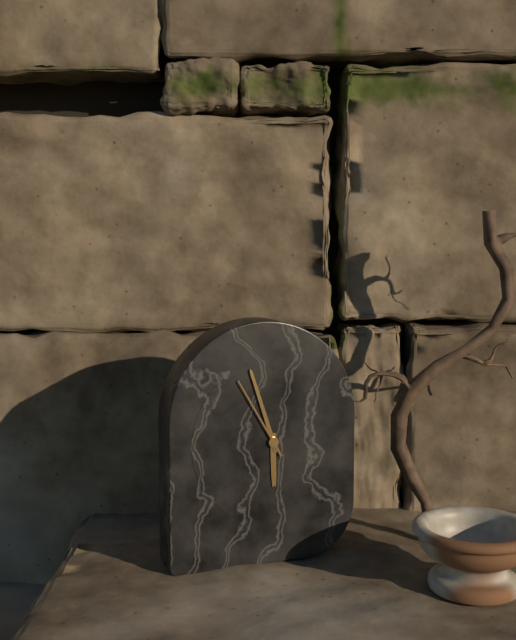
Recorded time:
{"hour": 5, "minute": 57, "second": 55}
